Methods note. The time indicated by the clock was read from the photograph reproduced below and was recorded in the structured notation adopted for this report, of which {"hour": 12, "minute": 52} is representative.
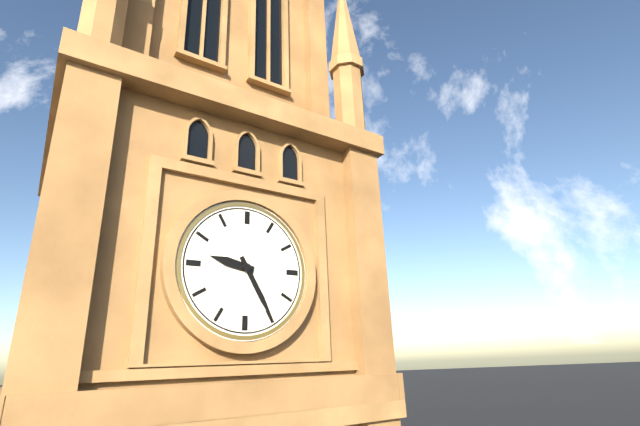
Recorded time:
{"hour": 9, "minute": 25}
